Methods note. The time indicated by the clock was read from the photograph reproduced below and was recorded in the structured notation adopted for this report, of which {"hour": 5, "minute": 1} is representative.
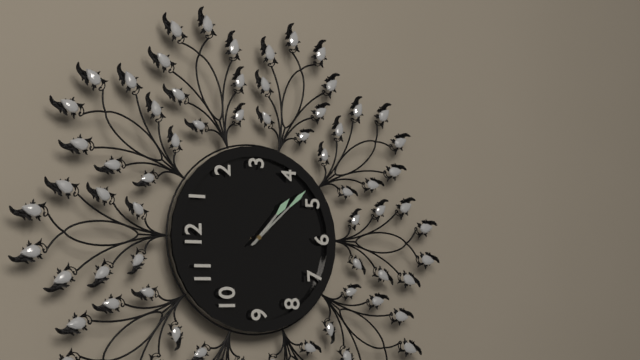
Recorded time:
{"hour": 4, "minute": 23}
